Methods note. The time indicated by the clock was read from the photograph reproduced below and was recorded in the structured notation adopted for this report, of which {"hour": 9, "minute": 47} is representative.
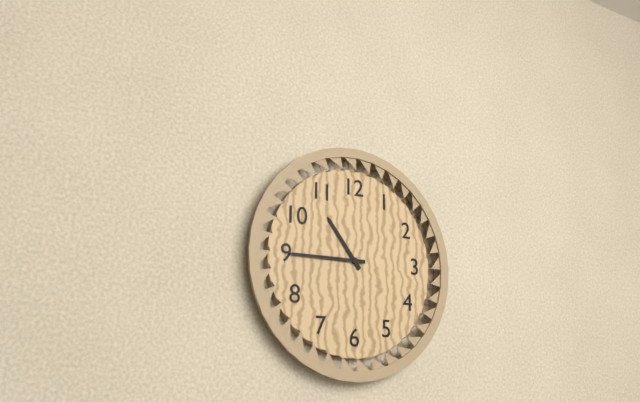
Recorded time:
{"hour": 10, "minute": 45}
